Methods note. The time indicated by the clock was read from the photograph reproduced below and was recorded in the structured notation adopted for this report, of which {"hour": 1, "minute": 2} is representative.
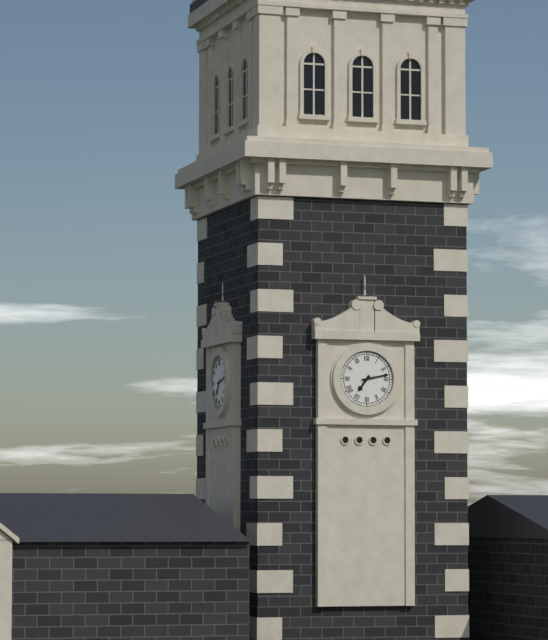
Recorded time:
{"hour": 7, "minute": 13}
